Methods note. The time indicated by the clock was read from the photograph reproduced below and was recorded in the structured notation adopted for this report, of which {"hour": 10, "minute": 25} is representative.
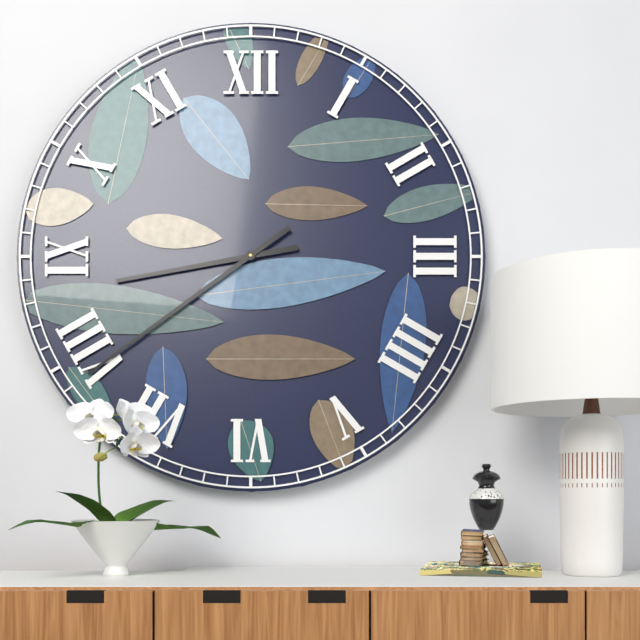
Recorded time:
{"hour": 8, "minute": 39}
